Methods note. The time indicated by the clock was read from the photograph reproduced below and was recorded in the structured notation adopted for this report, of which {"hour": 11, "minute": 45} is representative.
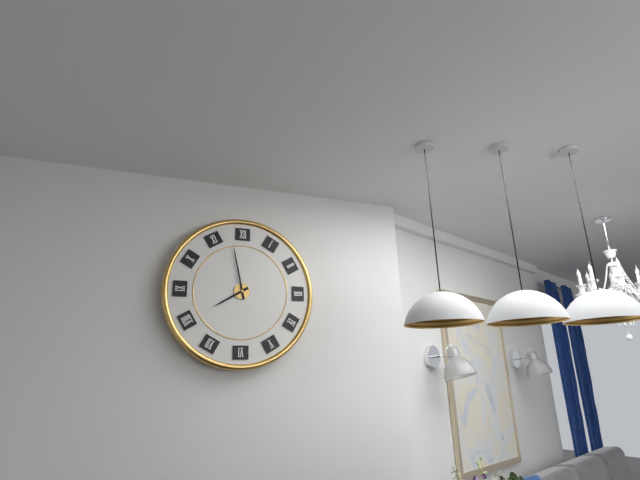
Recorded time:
{"hour": 7, "minute": 58}
